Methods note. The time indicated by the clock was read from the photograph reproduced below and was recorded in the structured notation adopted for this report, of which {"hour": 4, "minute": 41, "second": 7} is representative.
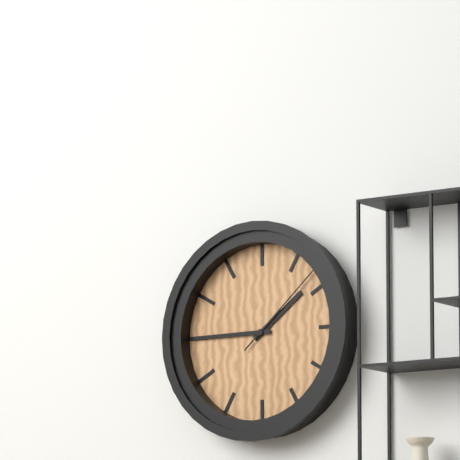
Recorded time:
{"hour": 1, "minute": 45, "second": 8}
